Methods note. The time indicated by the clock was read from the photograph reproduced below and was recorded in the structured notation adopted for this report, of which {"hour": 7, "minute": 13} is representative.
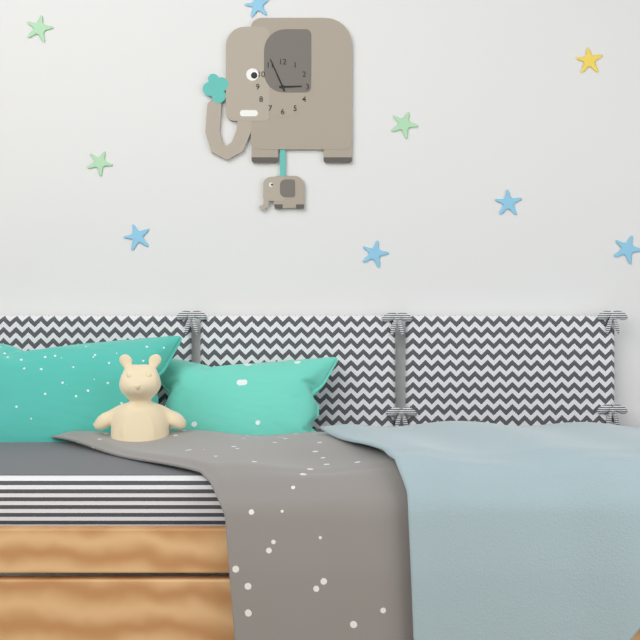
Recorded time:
{"hour": 2, "minute": 56}
